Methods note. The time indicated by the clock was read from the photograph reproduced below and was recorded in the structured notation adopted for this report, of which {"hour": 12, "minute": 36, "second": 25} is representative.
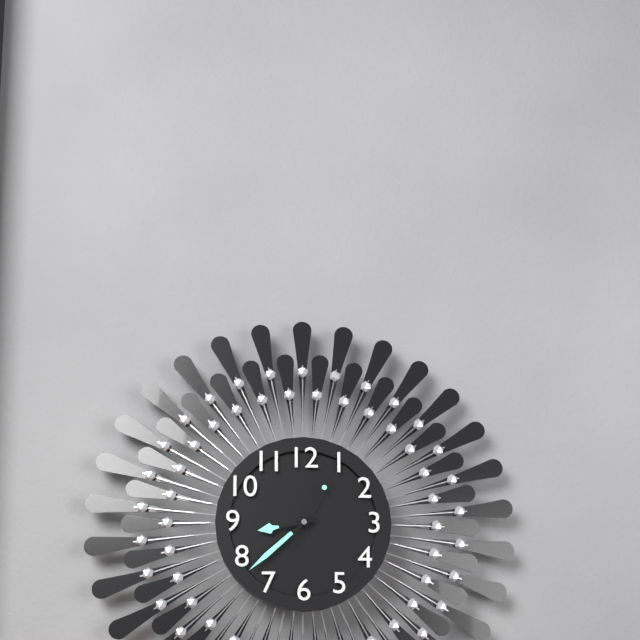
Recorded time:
{"hour": 8, "minute": 38, "second": 5}
